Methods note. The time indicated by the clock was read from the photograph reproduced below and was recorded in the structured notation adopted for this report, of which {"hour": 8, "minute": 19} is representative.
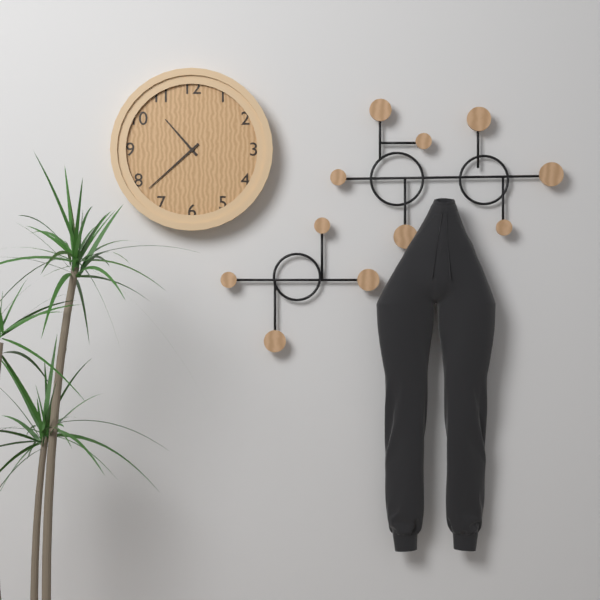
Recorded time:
{"hour": 10, "minute": 38}
